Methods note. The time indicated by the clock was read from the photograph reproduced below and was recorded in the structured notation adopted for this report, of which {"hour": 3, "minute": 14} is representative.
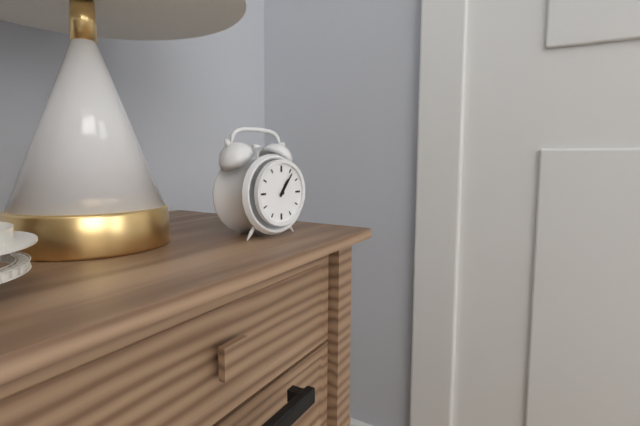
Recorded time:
{"hour": 1, "minute": 6}
